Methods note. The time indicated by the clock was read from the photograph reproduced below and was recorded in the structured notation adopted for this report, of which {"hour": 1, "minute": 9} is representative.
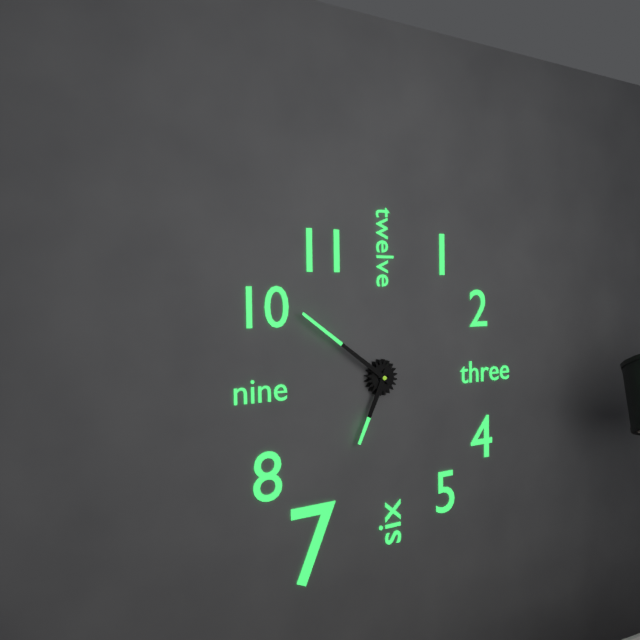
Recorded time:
{"hour": 6, "minute": 51}
